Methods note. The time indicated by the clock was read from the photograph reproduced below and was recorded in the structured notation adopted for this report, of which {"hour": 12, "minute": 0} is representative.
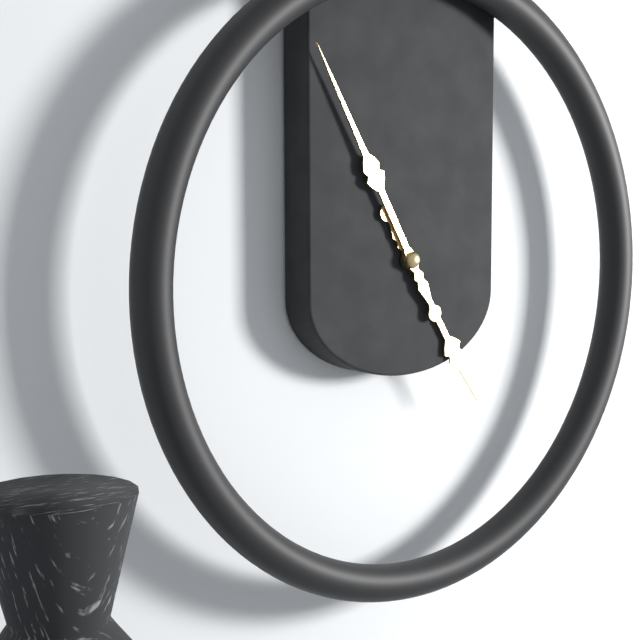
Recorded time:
{"hour": 4, "minute": 55}
